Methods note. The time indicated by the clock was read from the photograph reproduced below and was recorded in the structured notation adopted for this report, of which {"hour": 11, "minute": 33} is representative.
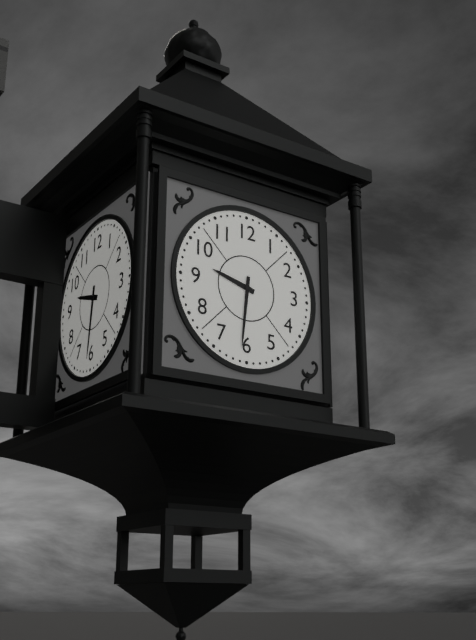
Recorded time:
{"hour": 9, "minute": 31}
